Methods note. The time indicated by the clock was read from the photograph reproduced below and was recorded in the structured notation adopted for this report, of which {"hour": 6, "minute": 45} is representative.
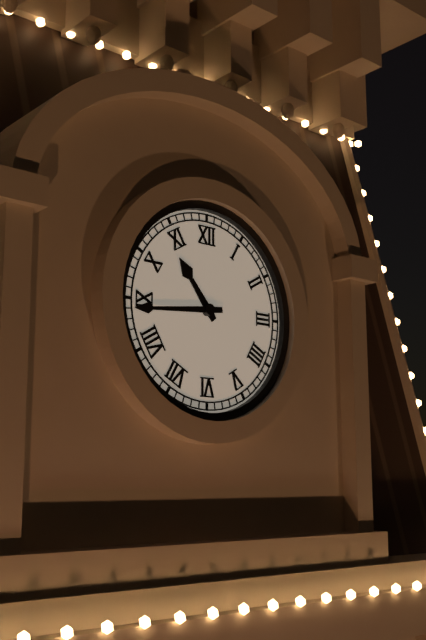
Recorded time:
{"hour": 10, "minute": 44}
